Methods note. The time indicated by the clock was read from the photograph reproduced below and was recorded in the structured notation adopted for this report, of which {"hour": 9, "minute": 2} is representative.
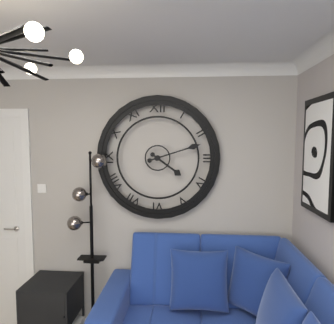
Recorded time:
{"hour": 4, "minute": 12}
